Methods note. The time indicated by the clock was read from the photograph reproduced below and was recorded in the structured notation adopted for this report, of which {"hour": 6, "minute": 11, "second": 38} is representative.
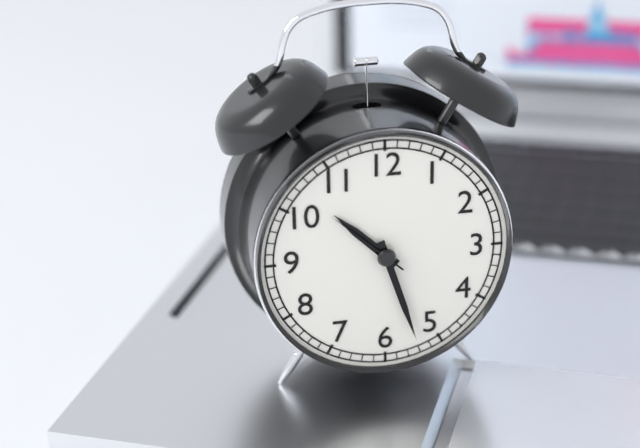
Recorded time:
{"hour": 10, "minute": 27, "second": 52}
